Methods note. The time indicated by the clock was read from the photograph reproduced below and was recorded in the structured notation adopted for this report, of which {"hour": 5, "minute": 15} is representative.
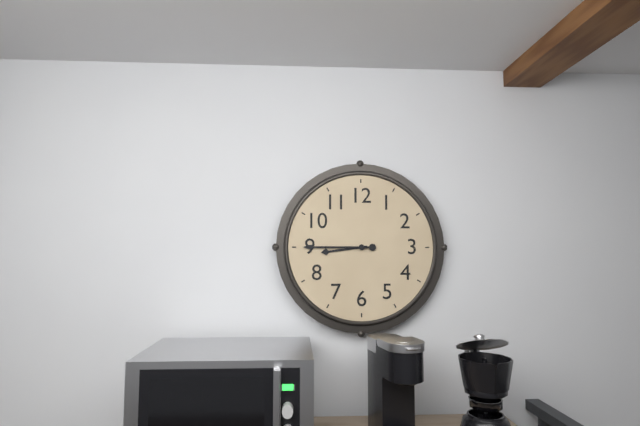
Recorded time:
{"hour": 8, "minute": 45}
